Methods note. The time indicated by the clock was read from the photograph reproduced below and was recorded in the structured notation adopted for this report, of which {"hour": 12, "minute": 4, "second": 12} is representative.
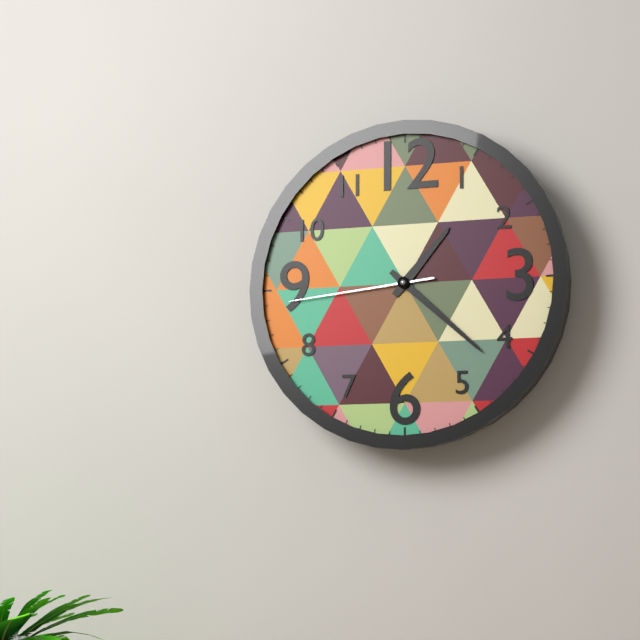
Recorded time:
{"hour": 1, "minute": 22, "second": 44}
